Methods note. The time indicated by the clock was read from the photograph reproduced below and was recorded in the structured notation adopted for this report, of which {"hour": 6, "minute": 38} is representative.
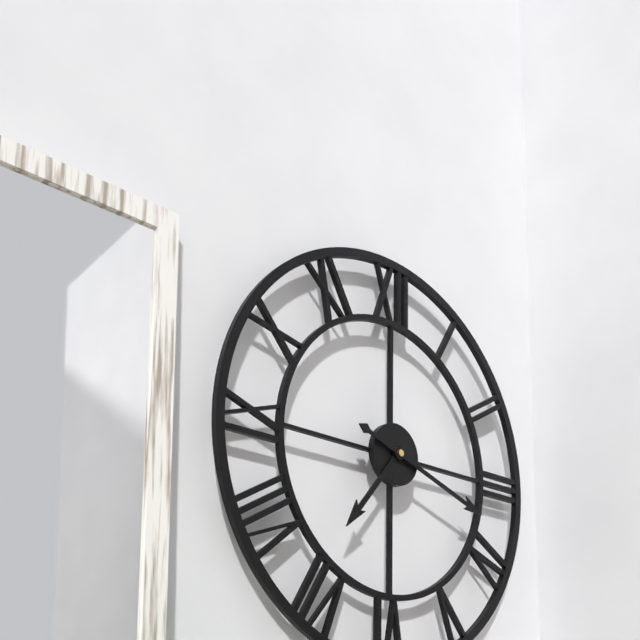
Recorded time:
{"hour": 7, "minute": 18}
